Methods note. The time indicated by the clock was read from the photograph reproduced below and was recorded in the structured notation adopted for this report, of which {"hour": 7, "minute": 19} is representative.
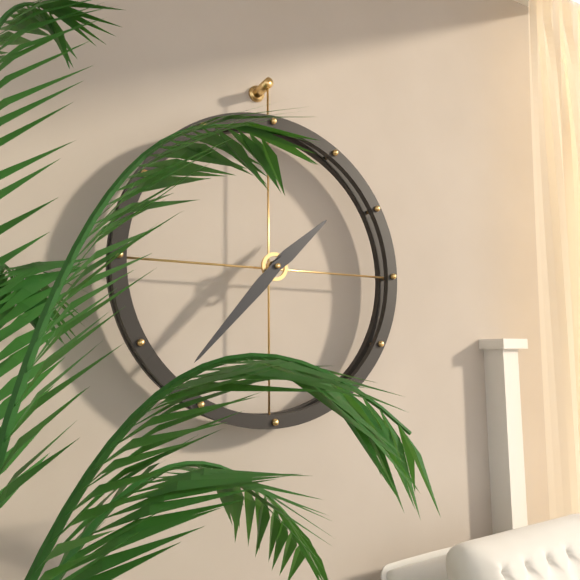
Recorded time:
{"hour": 1, "minute": 37}
